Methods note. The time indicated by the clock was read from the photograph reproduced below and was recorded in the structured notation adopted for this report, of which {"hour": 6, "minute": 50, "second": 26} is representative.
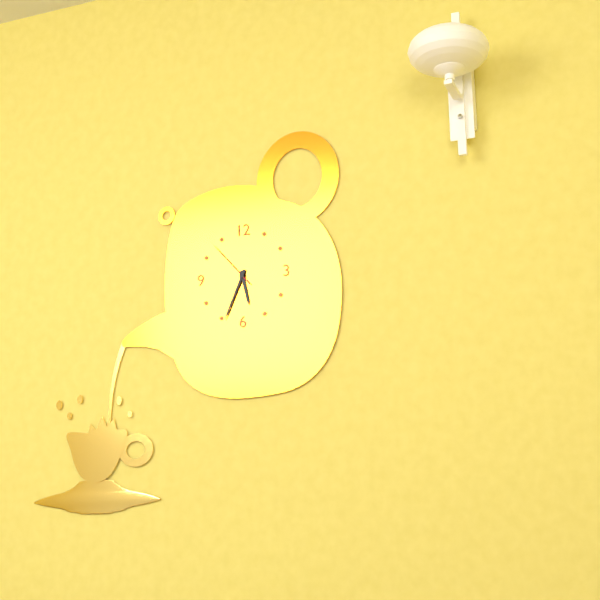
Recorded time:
{"hour": 5, "minute": 34, "second": 53}
